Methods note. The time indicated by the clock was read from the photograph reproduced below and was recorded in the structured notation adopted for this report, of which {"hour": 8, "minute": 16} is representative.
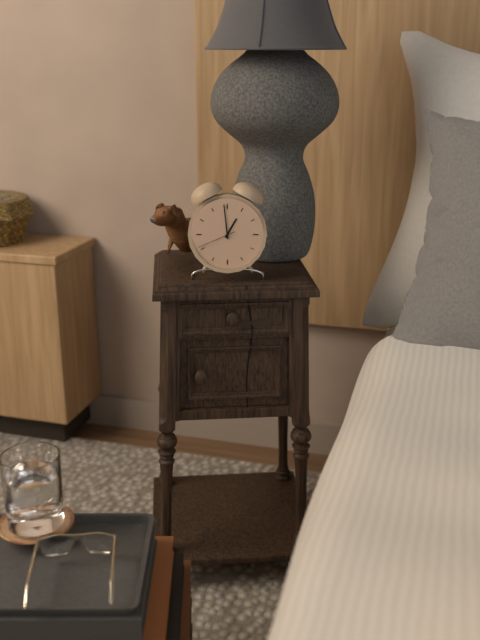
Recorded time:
{"hour": 12, "minute": 59}
